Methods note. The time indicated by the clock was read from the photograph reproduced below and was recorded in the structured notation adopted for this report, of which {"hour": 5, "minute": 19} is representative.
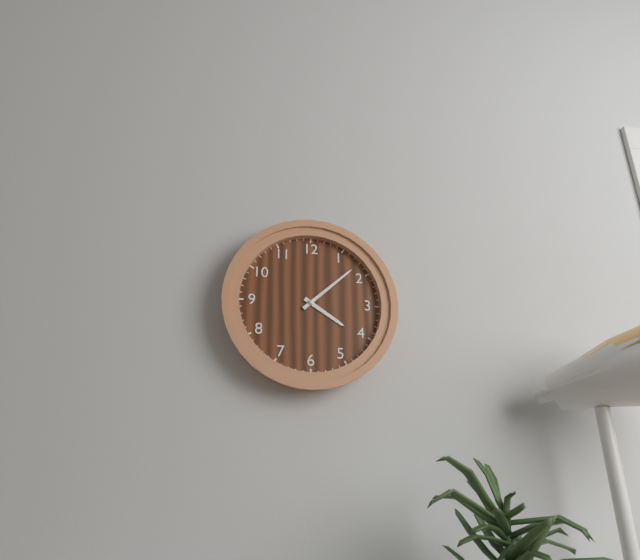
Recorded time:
{"hour": 4, "minute": 8}
